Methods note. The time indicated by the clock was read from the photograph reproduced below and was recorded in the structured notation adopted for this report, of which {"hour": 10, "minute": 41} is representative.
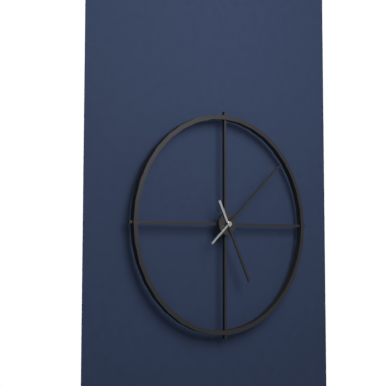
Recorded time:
{"hour": 5, "minute": 8}
